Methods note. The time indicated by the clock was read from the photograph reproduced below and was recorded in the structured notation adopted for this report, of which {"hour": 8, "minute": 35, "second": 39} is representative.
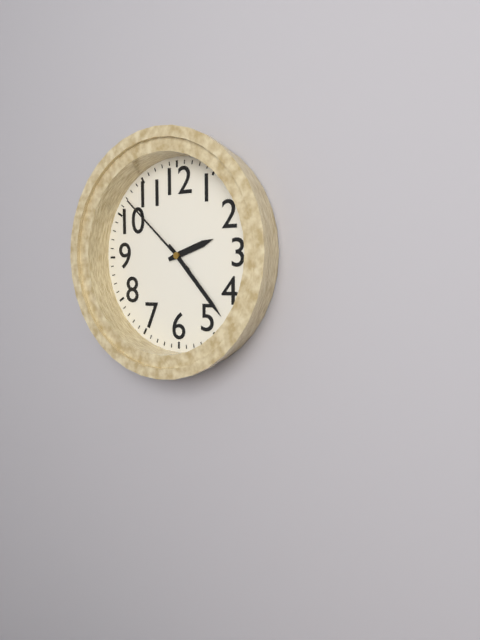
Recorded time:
{"hour": 2, "minute": 23, "second": 52}
